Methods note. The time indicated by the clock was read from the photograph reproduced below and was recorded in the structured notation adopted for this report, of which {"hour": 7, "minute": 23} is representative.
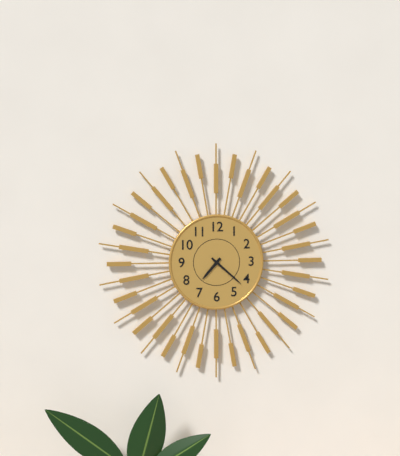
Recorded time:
{"hour": 7, "minute": 22}
